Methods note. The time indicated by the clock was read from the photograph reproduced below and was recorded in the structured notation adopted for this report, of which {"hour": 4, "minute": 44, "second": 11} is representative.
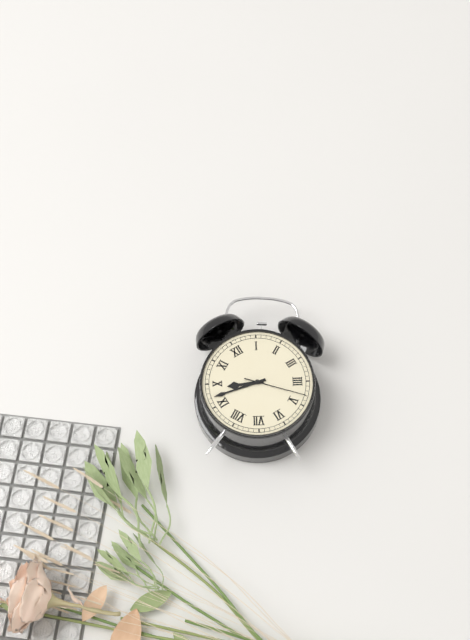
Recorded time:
{"hour": 9, "minute": 47, "second": 23}
